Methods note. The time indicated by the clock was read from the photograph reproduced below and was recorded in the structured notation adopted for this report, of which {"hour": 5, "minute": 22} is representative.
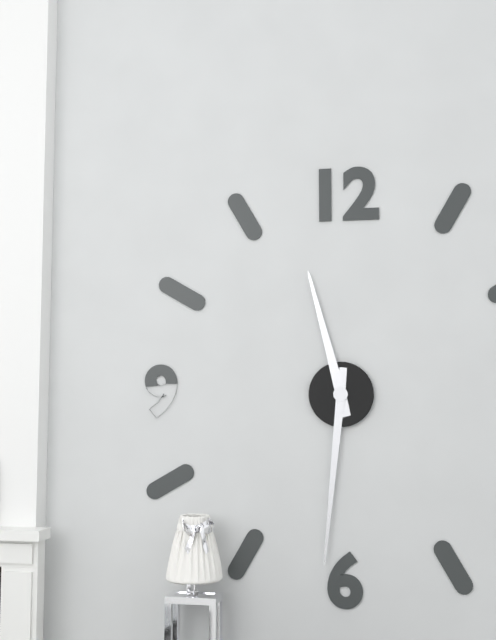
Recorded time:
{"hour": 11, "minute": 31}
